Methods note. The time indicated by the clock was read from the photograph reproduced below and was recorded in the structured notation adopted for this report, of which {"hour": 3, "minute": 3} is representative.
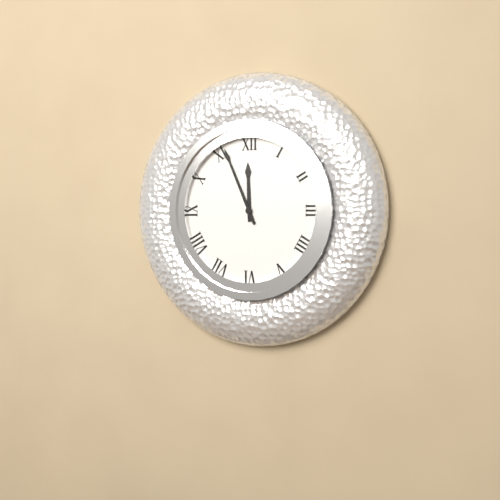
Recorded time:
{"hour": 11, "minute": 56}
